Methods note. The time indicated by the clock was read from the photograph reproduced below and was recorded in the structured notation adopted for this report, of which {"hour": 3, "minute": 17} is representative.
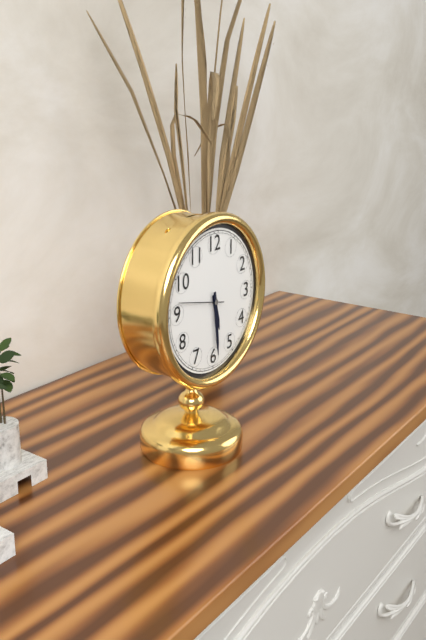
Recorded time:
{"hour": 5, "minute": 29}
